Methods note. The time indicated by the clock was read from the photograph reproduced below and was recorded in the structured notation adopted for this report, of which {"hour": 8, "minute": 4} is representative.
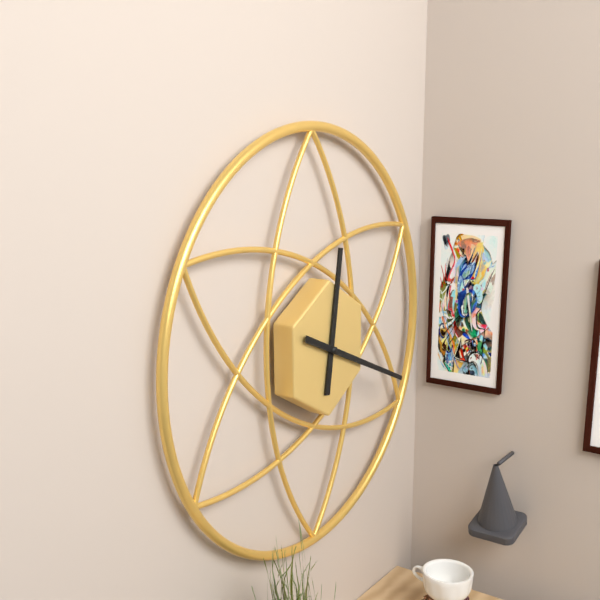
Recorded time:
{"hour": 12, "minute": 19}
